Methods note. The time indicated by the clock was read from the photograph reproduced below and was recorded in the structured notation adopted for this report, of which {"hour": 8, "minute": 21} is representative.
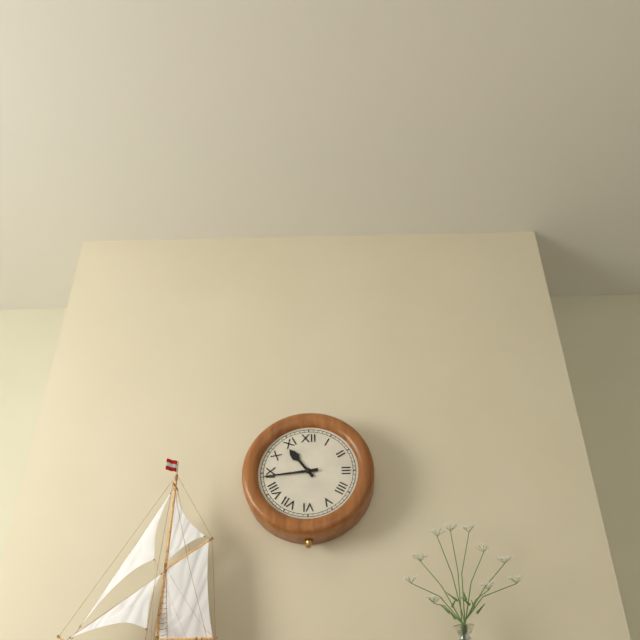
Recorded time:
{"hour": 10, "minute": 44}
